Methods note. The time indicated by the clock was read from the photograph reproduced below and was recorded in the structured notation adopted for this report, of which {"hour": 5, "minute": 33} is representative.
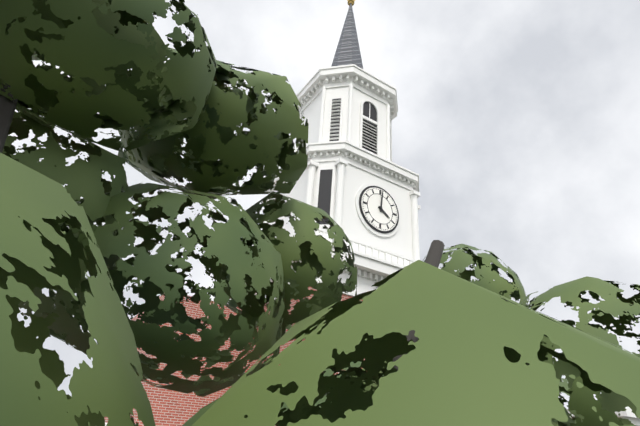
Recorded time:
{"hour": 4, "minute": 1}
